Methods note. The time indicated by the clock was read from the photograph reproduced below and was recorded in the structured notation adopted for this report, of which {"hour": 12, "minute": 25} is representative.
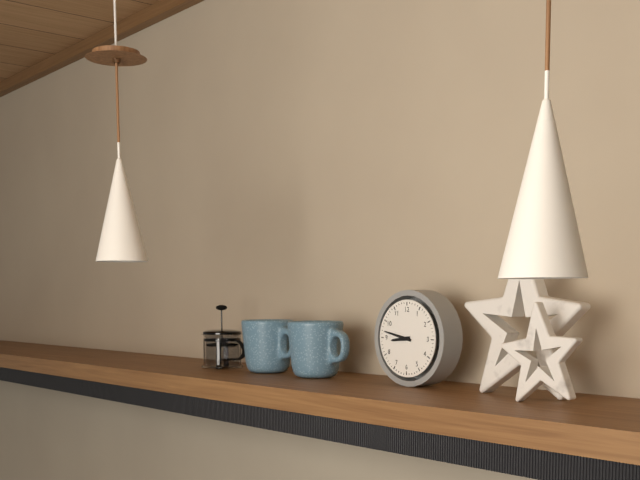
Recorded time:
{"hour": 8, "minute": 47}
